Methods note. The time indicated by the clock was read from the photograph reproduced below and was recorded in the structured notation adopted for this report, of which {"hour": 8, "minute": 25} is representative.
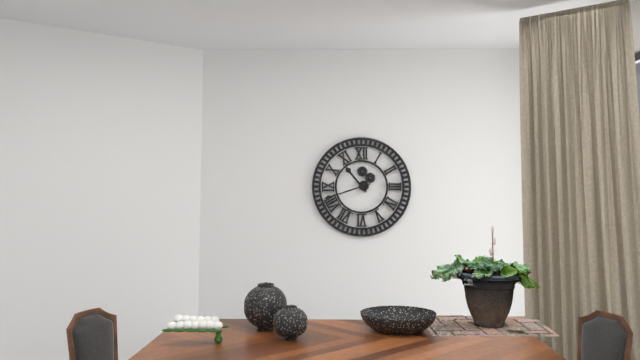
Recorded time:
{"hour": 10, "minute": 42}
